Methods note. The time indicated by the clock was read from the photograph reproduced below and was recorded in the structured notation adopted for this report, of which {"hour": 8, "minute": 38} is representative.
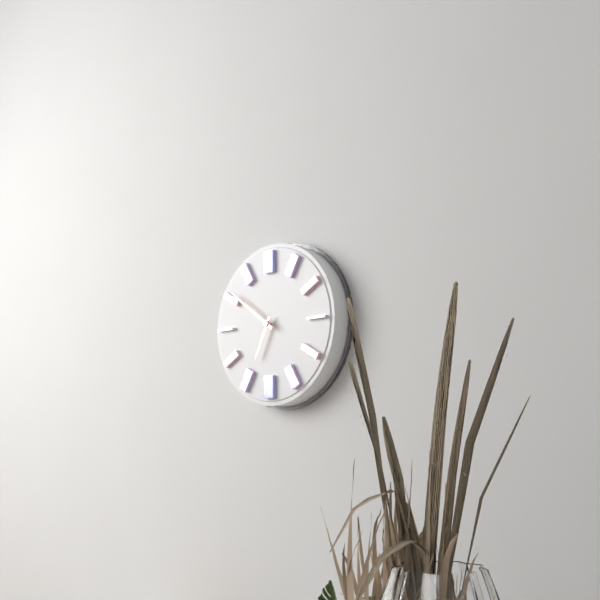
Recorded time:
{"hour": 6, "minute": 51}
